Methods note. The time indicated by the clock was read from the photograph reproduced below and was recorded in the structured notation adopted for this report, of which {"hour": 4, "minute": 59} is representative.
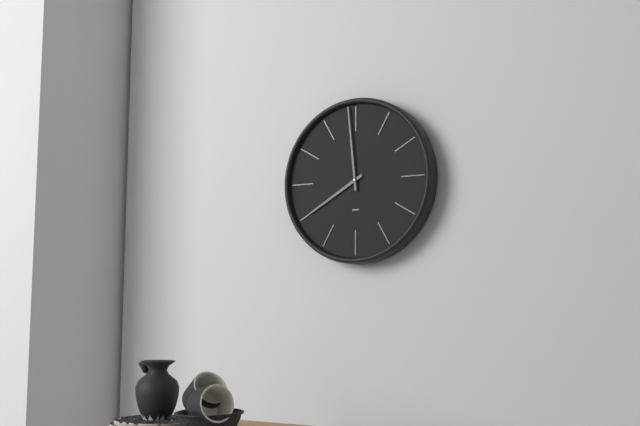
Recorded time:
{"hour": 7, "minute": 59}
